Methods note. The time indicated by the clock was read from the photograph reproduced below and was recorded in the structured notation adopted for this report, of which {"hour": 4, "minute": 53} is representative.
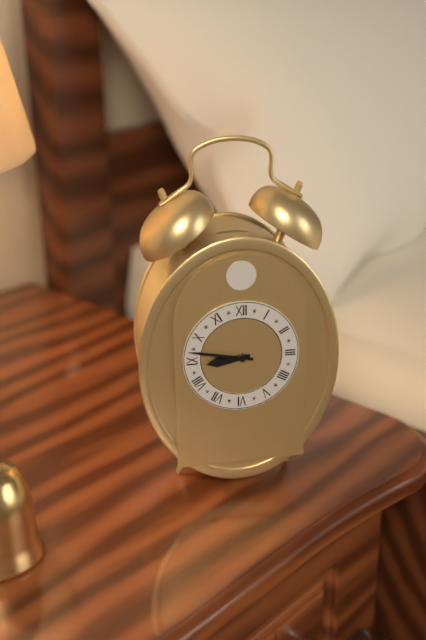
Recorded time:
{"hour": 8, "minute": 47}
